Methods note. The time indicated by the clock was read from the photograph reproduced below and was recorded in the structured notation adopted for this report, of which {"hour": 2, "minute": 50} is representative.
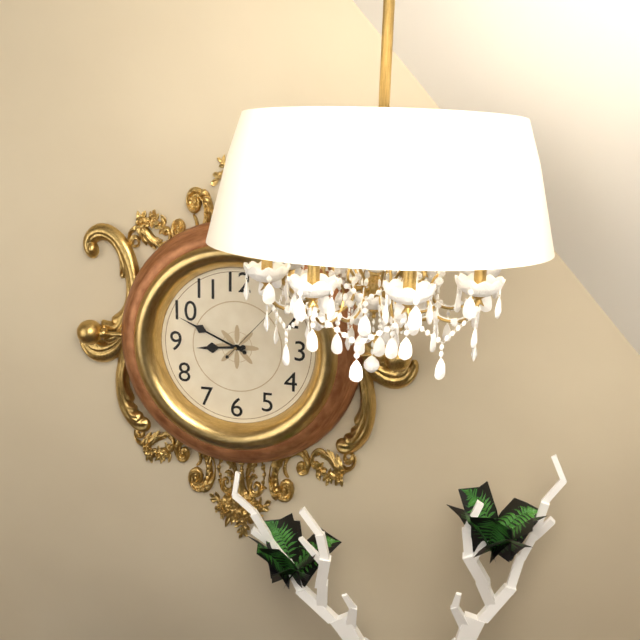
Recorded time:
{"hour": 8, "minute": 49}
